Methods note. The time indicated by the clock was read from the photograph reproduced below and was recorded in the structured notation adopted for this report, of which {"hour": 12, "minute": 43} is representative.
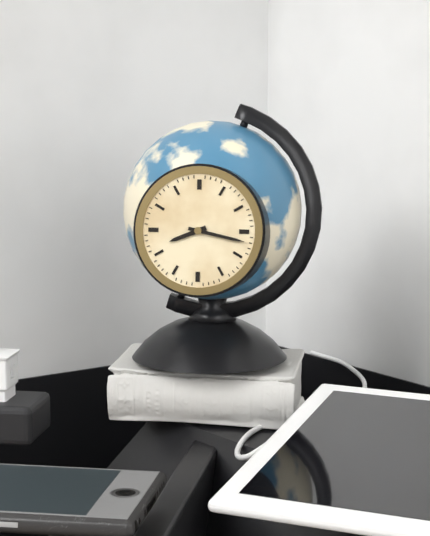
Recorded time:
{"hour": 8, "minute": 17}
